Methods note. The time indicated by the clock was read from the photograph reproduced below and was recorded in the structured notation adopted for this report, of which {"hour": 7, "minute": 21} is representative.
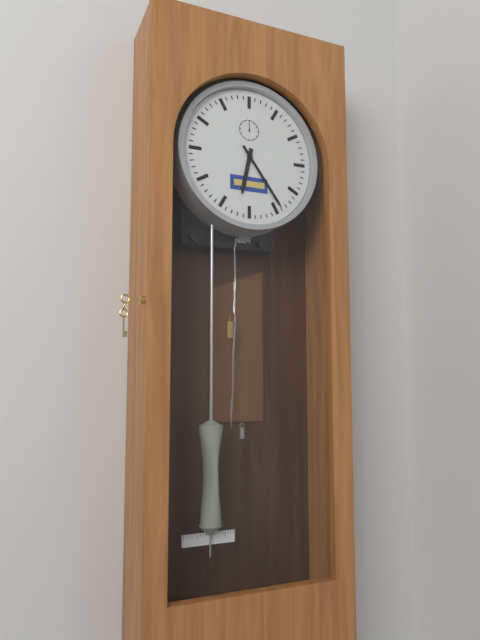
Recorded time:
{"hour": 6, "minute": 24}
